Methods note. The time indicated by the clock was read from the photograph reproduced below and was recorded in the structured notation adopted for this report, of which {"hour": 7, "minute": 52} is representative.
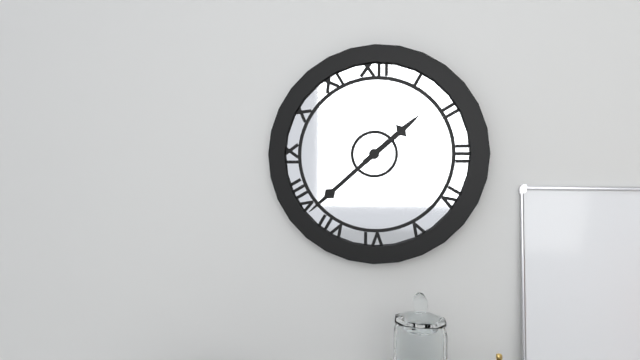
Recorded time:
{"hour": 1, "minute": 38}
